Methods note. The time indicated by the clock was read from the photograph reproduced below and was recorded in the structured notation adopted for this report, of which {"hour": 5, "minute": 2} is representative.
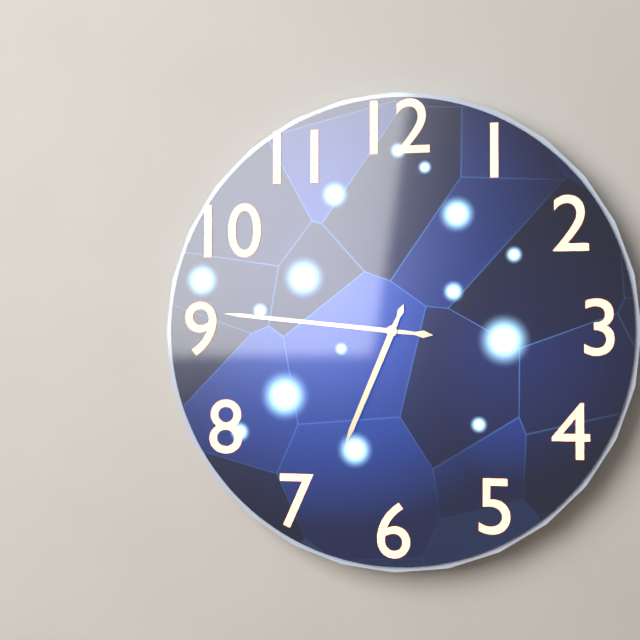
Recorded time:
{"hour": 6, "minute": 46}
